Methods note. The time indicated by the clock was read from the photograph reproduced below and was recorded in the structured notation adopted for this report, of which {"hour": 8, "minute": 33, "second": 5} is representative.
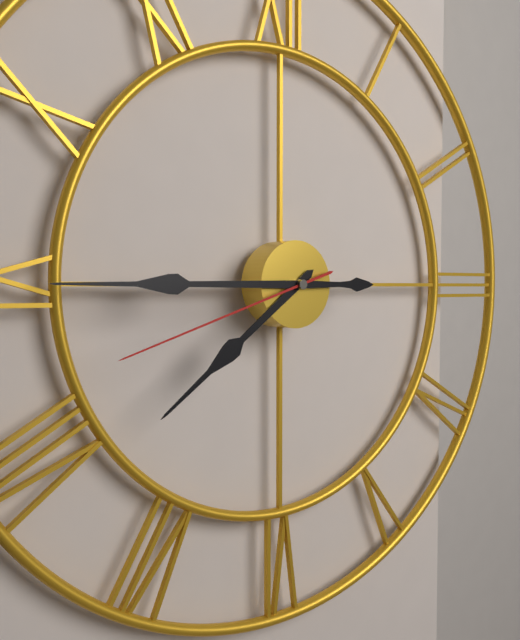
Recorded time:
{"hour": 7, "minute": 45, "second": 42}
